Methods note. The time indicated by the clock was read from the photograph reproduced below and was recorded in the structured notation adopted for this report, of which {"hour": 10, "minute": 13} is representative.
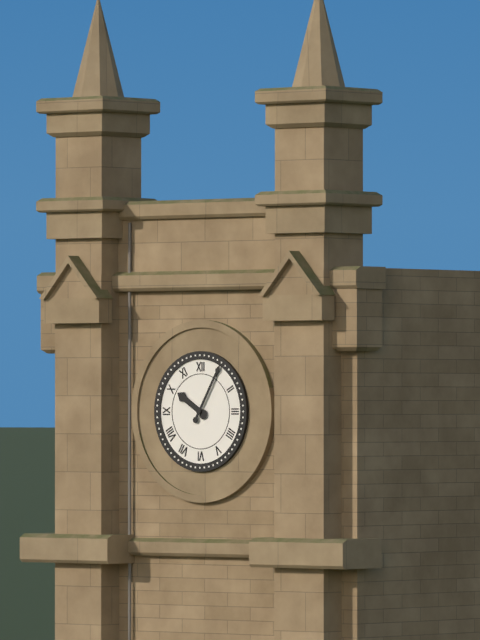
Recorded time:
{"hour": 10, "minute": 5}
